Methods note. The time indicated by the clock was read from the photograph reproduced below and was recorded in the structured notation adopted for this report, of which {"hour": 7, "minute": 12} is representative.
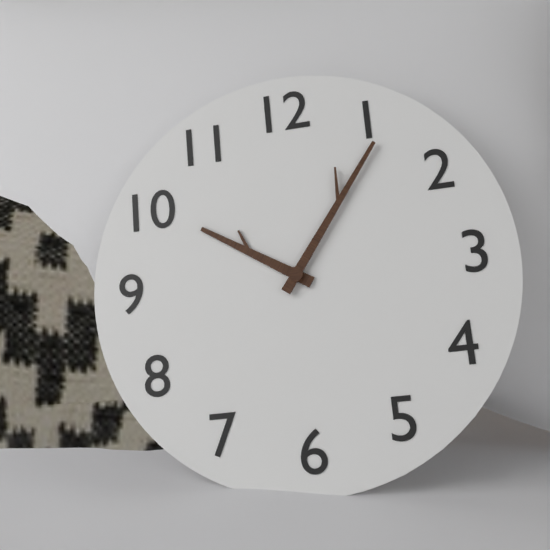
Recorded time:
{"hour": 10, "minute": 6}
